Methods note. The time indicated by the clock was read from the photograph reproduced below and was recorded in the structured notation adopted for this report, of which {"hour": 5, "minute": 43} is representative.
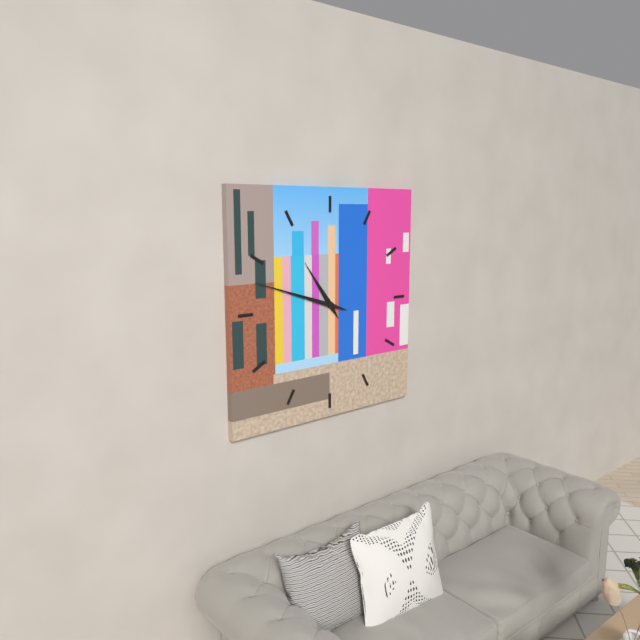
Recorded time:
{"hour": 10, "minute": 48}
